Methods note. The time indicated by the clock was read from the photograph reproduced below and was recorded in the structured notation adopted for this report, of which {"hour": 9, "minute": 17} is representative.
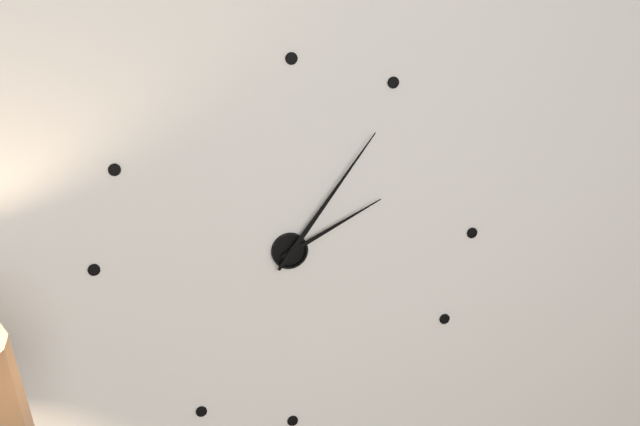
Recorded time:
{"hour": 2, "minute": 6}
